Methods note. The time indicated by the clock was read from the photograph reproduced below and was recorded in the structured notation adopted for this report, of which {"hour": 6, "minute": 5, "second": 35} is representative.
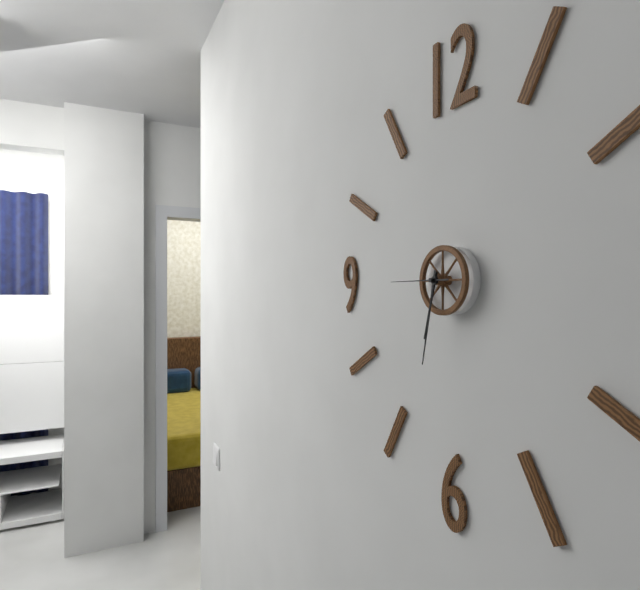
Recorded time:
{"hour": 6, "minute": 32, "second": 45}
